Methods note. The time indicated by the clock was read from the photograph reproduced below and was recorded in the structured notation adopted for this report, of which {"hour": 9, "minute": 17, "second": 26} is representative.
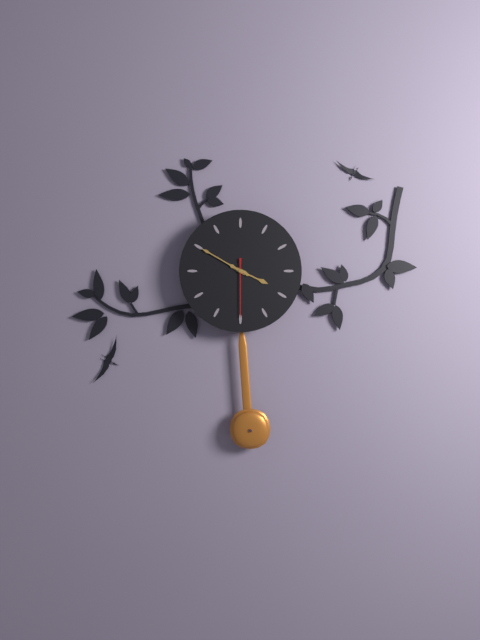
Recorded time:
{"hour": 3, "minute": 50, "second": 30}
